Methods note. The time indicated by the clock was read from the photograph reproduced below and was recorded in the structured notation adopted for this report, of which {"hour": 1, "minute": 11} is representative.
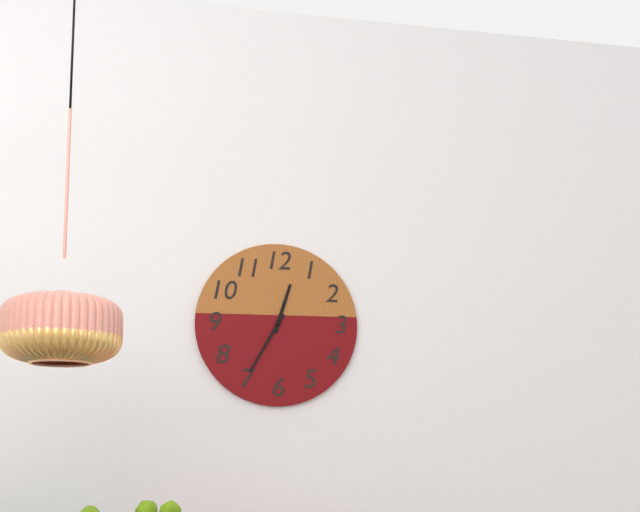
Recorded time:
{"hour": 12, "minute": 35}
